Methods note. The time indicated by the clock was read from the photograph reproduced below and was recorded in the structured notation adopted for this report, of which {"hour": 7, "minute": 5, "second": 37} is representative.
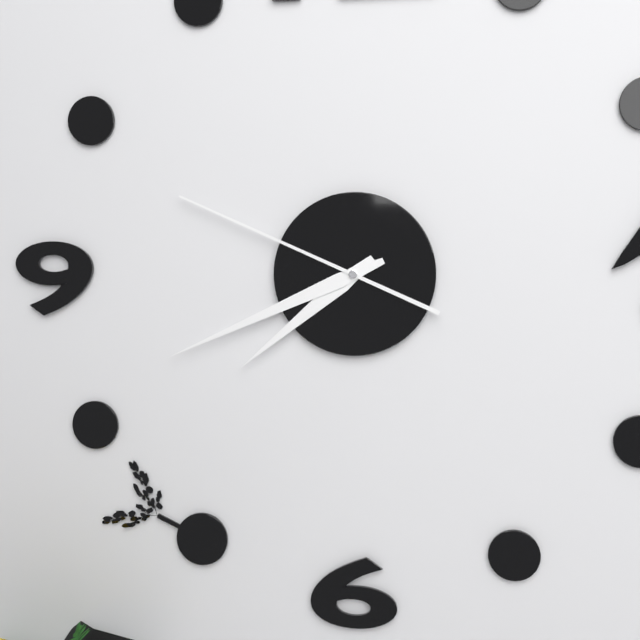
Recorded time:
{"hour": 7, "minute": 41, "second": 49}
